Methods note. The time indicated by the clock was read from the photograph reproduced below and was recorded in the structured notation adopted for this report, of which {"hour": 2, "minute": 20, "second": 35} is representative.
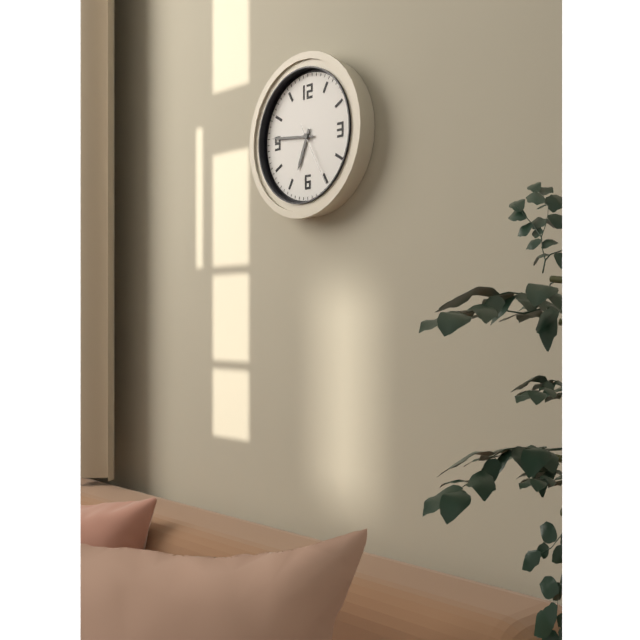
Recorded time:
{"hour": 6, "minute": 46, "second": 25}
